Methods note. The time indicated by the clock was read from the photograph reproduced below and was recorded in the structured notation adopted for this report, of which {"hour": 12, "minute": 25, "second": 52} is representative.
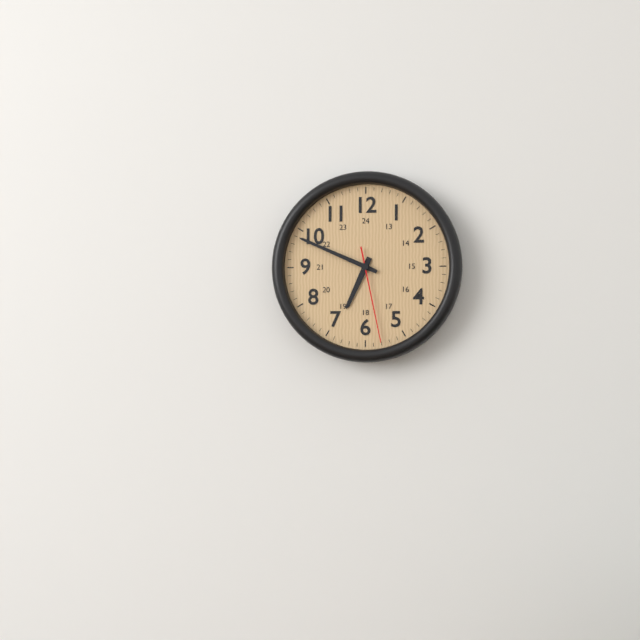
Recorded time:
{"hour": 6, "minute": 49, "second": 28}
